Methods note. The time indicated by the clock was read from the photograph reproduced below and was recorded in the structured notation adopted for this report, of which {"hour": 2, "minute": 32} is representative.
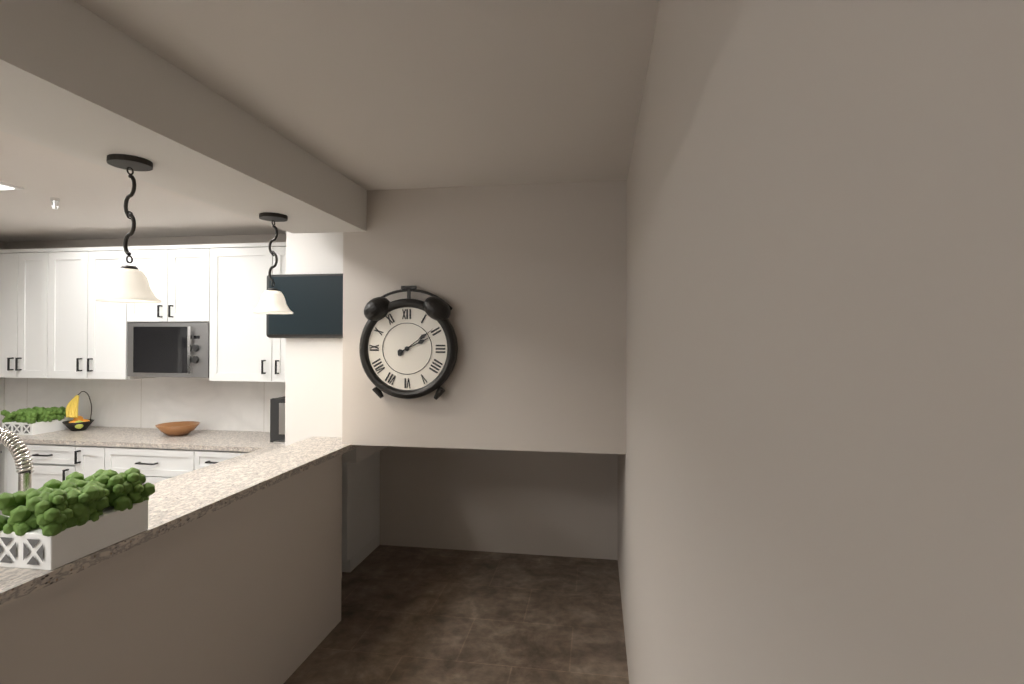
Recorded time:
{"hour": 2, "minute": 9}
